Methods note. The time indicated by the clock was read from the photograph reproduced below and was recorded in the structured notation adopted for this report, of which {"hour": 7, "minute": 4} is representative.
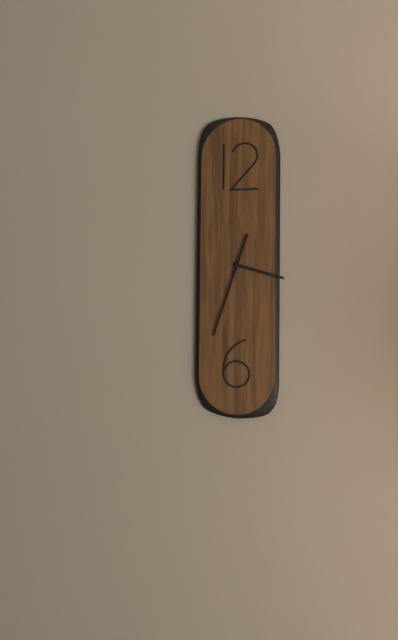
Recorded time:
{"hour": 3, "minute": 33}
